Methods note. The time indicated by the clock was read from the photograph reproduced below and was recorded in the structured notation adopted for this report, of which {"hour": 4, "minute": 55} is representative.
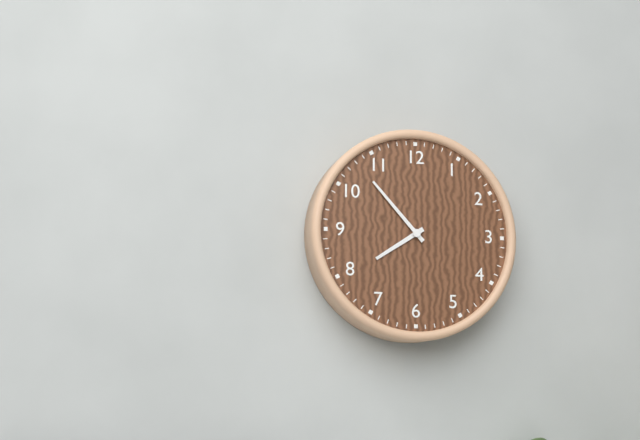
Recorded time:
{"hour": 7, "minute": 53}
